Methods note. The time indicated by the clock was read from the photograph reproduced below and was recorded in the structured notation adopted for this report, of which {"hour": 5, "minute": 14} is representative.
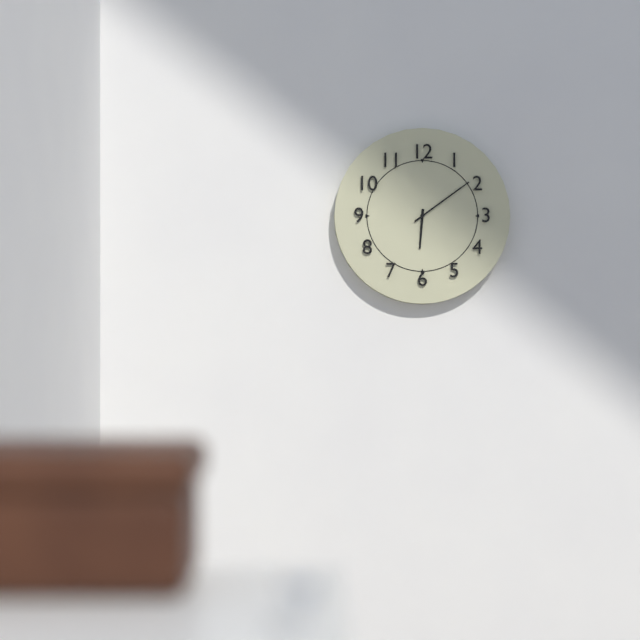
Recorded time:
{"hour": 6, "minute": 9}
